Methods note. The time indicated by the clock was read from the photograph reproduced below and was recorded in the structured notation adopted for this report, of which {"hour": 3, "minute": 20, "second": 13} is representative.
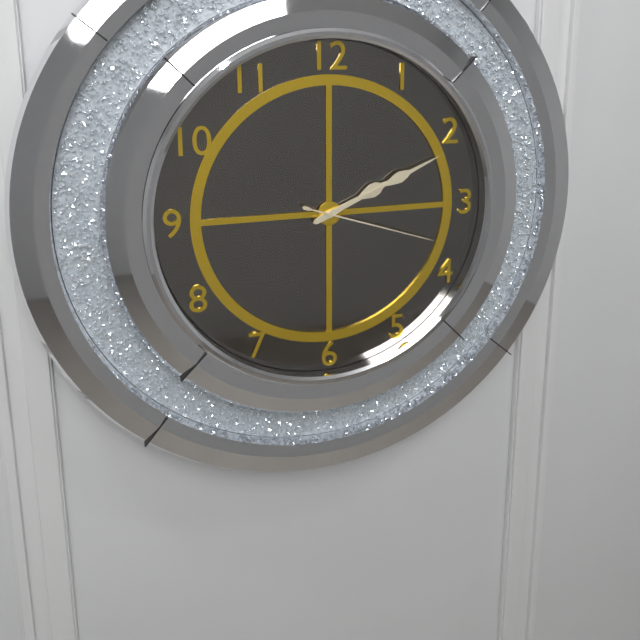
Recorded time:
{"hour": 2, "minute": 11, "second": 18}
